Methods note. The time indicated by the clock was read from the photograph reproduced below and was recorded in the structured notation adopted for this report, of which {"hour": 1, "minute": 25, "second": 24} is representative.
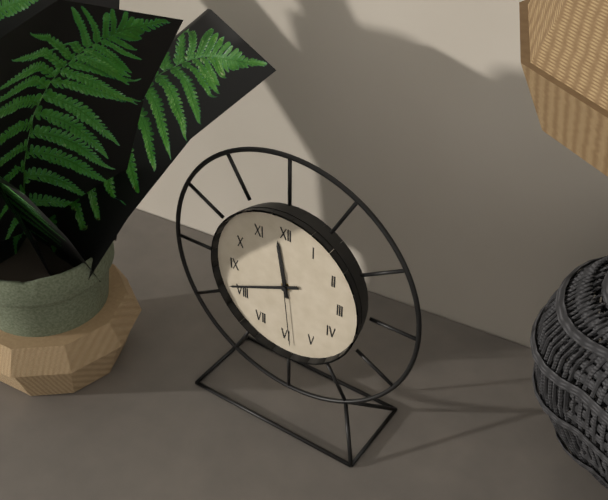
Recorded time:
{"hour": 11, "minute": 41, "second": 29}
